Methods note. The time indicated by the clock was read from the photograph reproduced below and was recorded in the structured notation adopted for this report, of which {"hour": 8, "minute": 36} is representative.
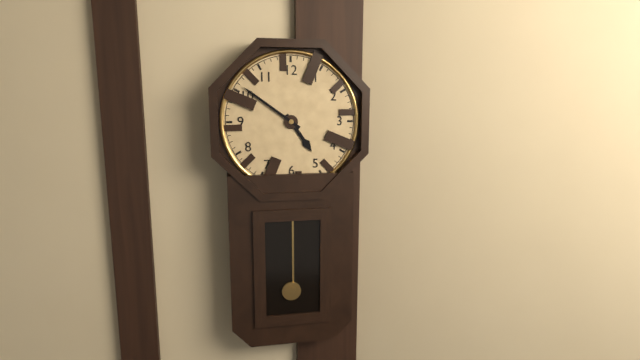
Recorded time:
{"hour": 4, "minute": 51}
